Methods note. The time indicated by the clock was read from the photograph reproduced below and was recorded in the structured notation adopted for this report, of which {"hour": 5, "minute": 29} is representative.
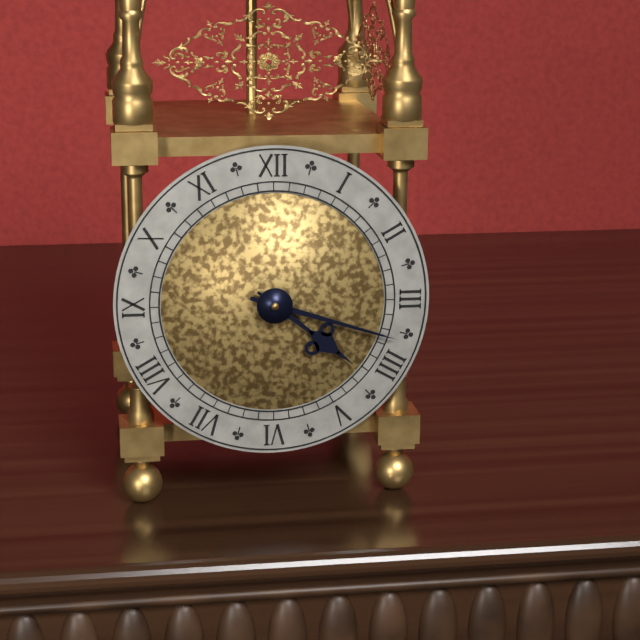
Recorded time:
{"hour": 4, "minute": 18}
